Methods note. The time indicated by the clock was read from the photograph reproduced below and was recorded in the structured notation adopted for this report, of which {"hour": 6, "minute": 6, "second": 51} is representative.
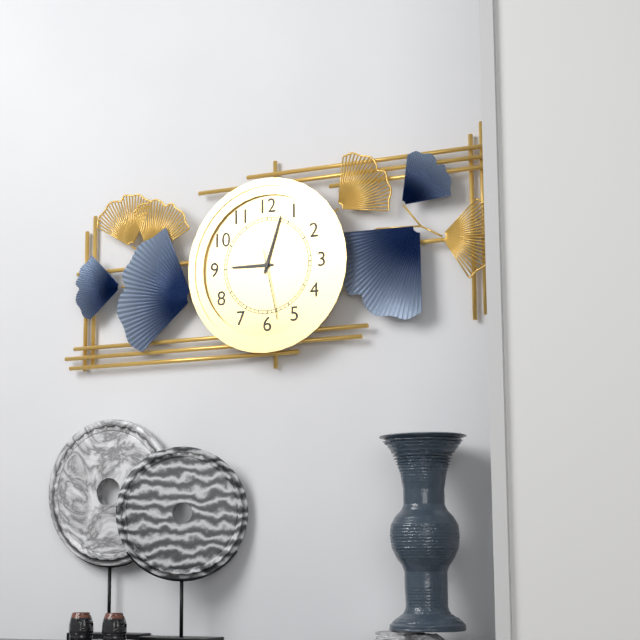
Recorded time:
{"hour": 9, "minute": 3, "second": 28}
